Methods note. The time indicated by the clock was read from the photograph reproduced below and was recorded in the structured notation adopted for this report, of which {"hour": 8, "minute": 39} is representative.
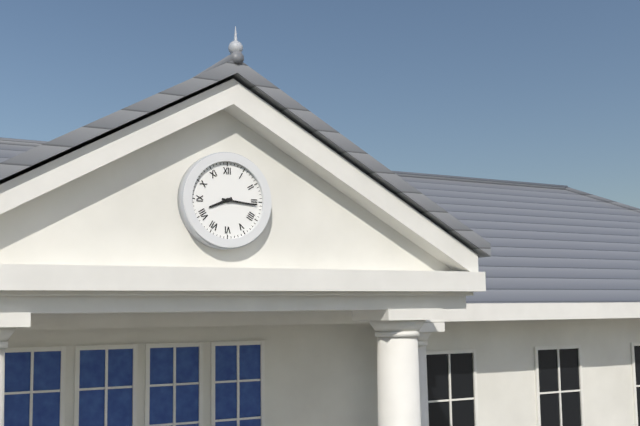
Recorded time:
{"hour": 8, "minute": 16}
